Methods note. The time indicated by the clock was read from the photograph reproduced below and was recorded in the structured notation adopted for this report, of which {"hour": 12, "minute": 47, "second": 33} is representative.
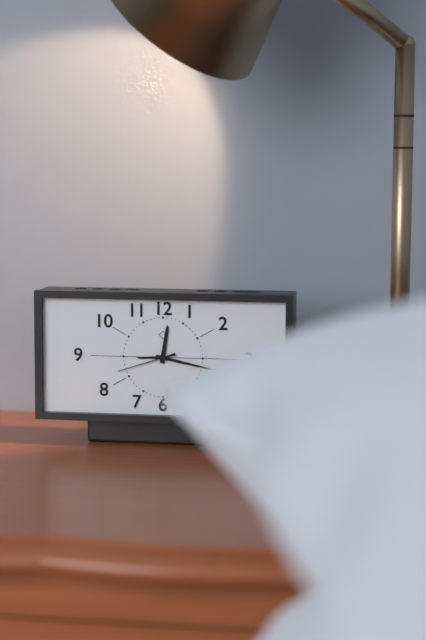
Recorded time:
{"hour": 12, "minute": 17, "second": 42}
